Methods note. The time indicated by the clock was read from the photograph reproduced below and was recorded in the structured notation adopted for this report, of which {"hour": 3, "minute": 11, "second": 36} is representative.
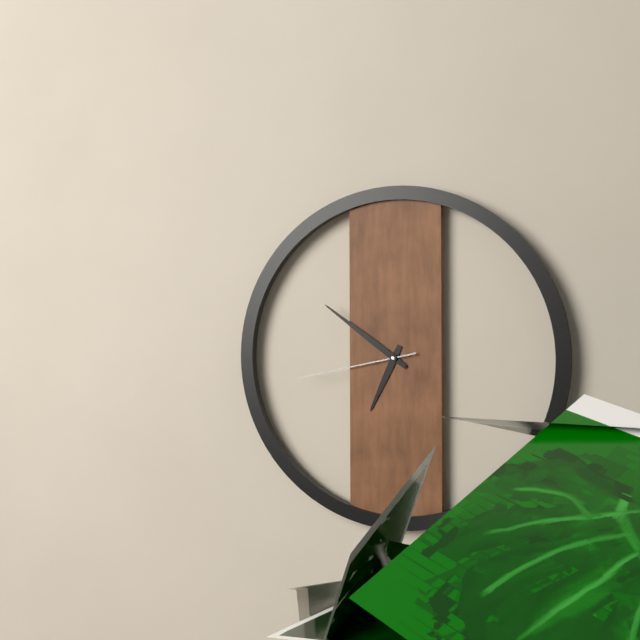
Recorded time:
{"hour": 6, "minute": 51, "second": 43}
